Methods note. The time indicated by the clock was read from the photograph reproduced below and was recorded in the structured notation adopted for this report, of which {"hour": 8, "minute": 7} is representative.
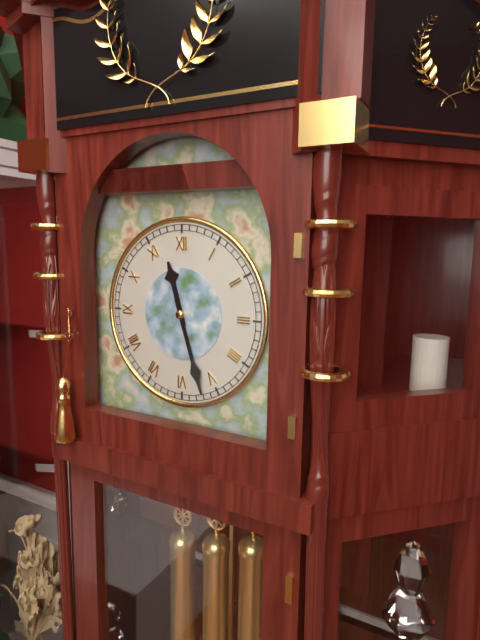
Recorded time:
{"hour": 11, "minute": 27}
